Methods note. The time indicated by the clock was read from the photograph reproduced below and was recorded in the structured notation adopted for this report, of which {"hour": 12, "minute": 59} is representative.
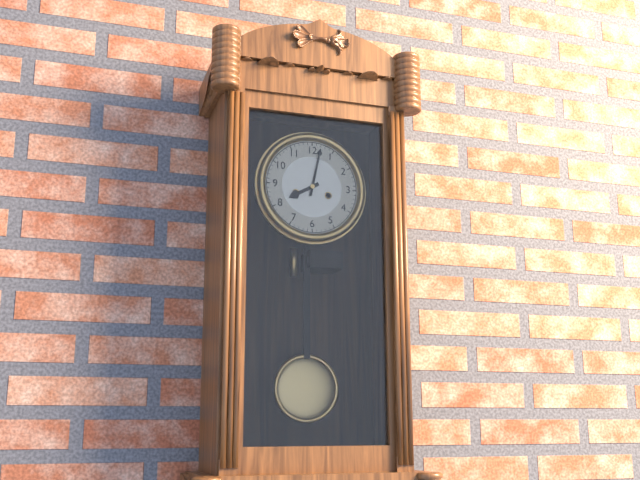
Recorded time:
{"hour": 8, "minute": 2}
